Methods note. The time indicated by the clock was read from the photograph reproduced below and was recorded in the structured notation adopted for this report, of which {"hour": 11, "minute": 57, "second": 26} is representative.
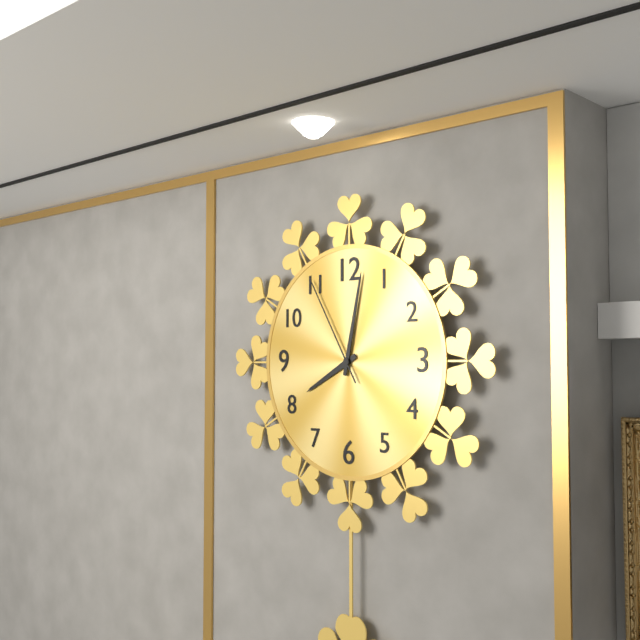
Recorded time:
{"hour": 8, "minute": 2, "second": 55}
